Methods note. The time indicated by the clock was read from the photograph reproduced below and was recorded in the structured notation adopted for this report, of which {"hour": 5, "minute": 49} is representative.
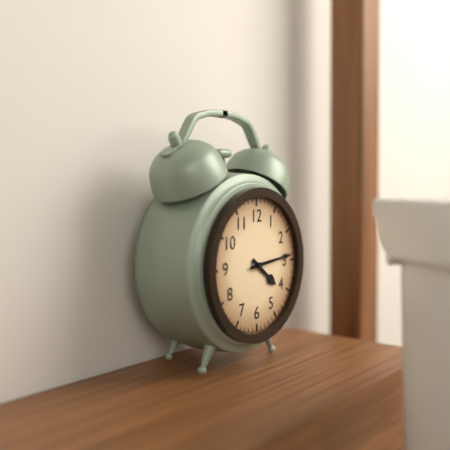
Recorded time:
{"hour": 4, "minute": 14}
